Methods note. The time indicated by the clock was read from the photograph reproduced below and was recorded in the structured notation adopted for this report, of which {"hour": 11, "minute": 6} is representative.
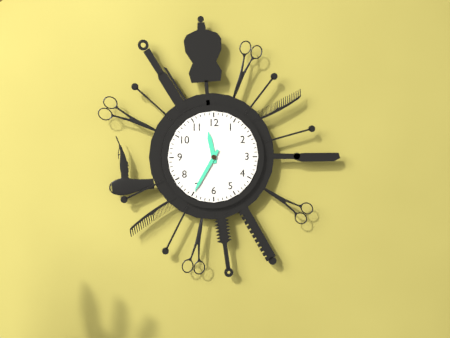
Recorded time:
{"hour": 11, "minute": 35}
